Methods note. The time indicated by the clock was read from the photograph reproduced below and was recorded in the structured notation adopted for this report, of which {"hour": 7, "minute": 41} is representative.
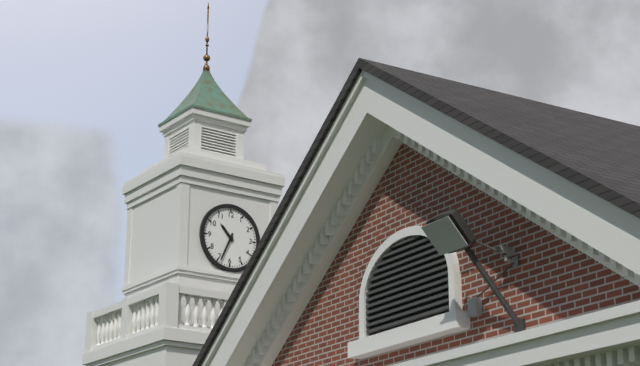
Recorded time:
{"hour": 10, "minute": 34}
